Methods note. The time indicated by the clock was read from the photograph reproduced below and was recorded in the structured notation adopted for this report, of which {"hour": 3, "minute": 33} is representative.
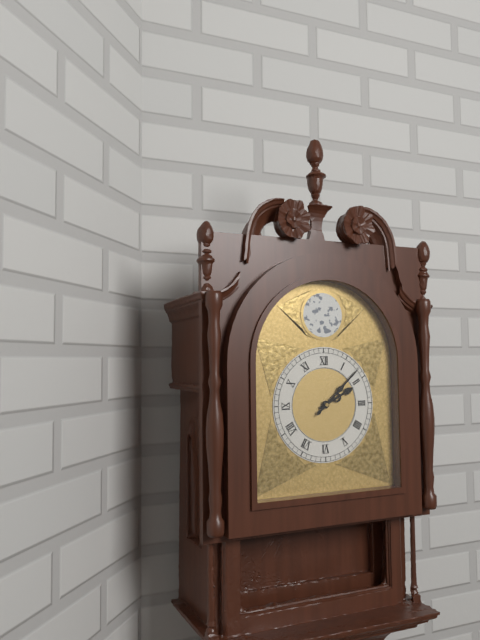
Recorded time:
{"hour": 2, "minute": 8}
